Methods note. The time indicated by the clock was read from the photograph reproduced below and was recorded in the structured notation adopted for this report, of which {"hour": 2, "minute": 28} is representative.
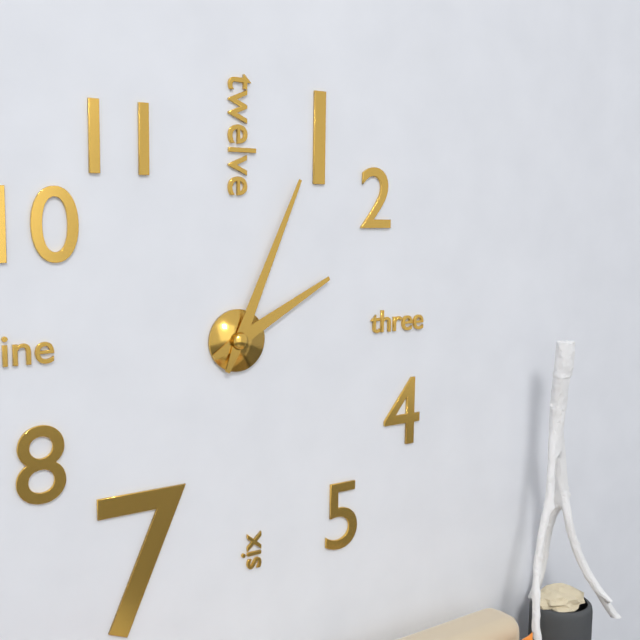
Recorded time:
{"hour": 2, "minute": 4}
